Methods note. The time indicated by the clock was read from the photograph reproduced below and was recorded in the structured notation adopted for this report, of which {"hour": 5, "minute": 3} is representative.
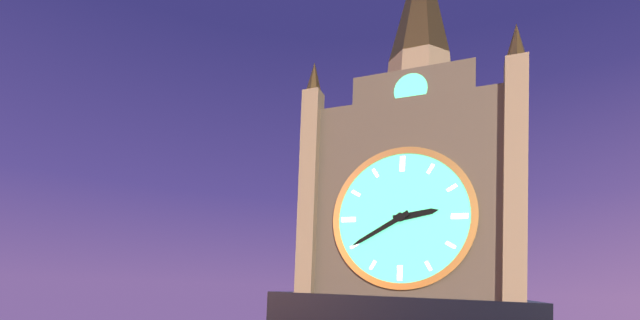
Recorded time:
{"hour": 2, "minute": 40}
